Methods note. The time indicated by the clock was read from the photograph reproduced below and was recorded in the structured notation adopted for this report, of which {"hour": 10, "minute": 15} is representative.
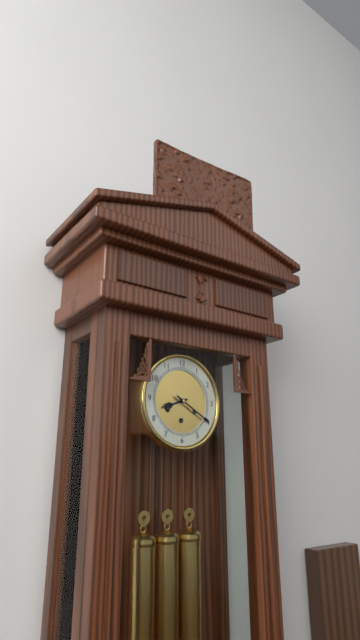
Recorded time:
{"hour": 8, "minute": 20}
